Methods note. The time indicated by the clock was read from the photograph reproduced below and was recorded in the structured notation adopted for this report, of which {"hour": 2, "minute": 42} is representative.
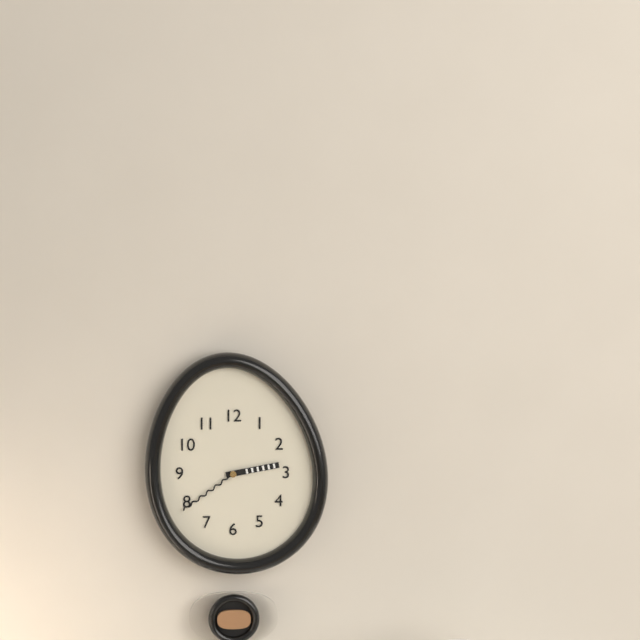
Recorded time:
{"hour": 2, "minute": 39}
